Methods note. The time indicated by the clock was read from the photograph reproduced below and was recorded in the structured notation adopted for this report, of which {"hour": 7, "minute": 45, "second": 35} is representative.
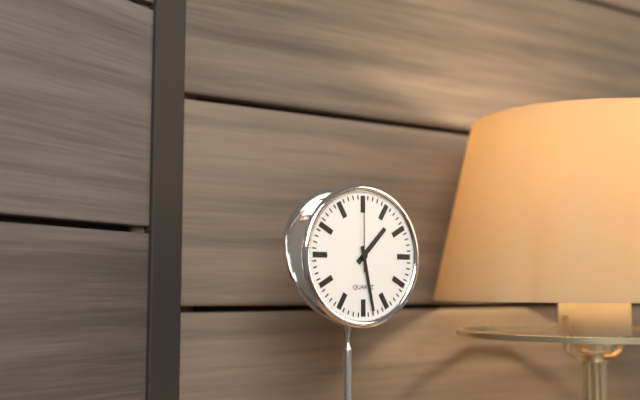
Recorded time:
{"hour": 1, "minute": 28, "second": 0}
